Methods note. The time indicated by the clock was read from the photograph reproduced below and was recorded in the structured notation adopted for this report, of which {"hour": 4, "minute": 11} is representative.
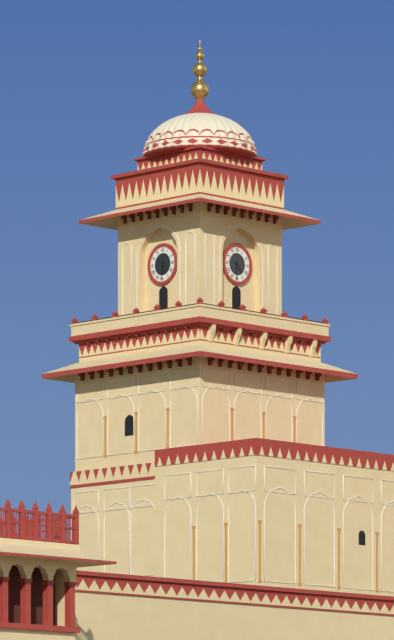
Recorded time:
{"hour": 4, "minute": 31}
